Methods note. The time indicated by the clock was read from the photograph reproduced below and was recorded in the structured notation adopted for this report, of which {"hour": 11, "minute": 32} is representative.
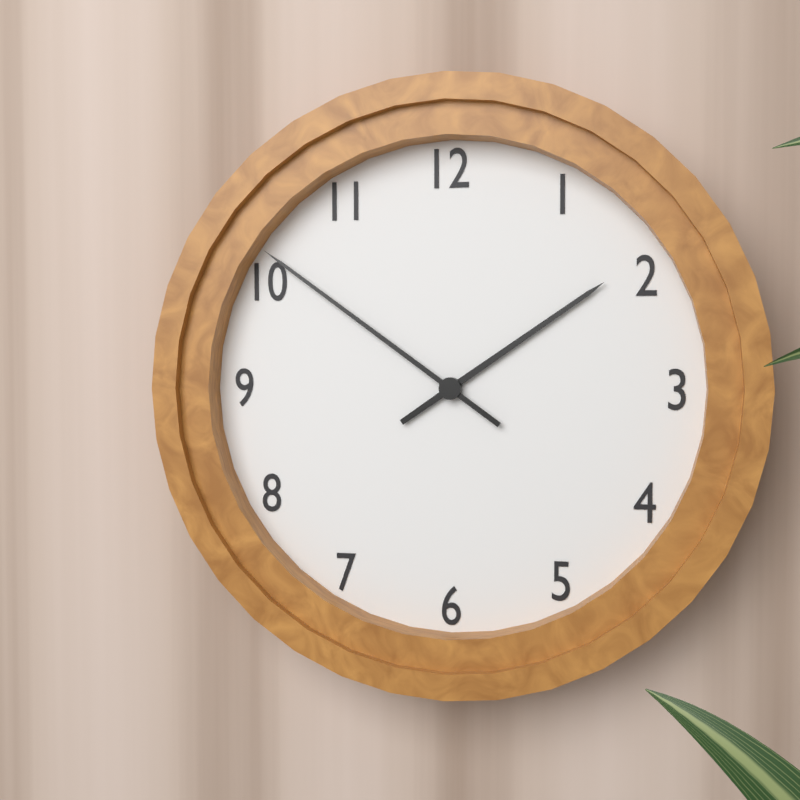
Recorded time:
{"hour": 1, "minute": 51}
